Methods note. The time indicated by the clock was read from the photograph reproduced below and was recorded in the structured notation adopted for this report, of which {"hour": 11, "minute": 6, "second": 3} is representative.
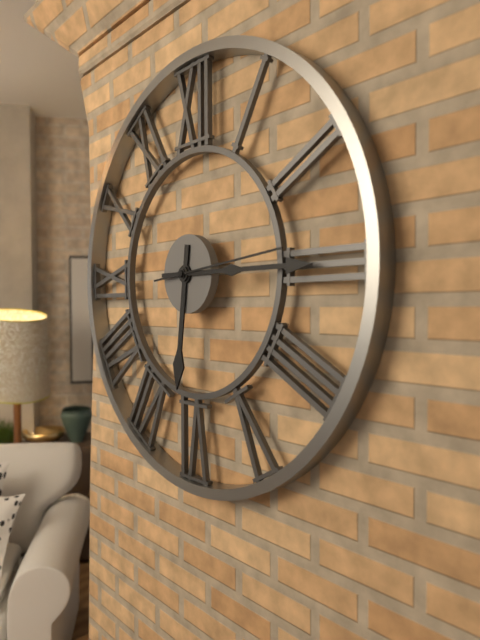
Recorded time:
{"hour": 6, "minute": 15, "second": 14}
